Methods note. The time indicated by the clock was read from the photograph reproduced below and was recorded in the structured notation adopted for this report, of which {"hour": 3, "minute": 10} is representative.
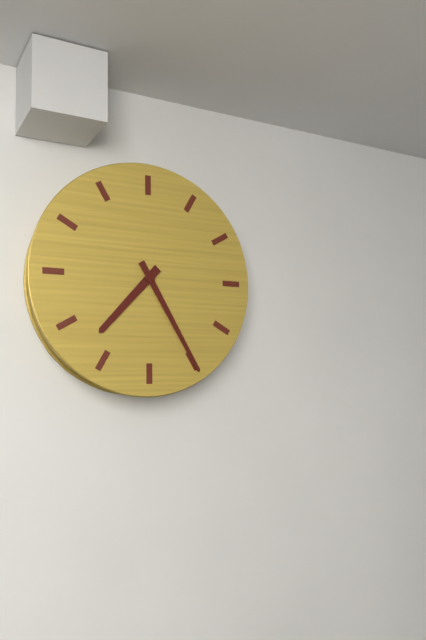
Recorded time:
{"hour": 7, "minute": 25}
